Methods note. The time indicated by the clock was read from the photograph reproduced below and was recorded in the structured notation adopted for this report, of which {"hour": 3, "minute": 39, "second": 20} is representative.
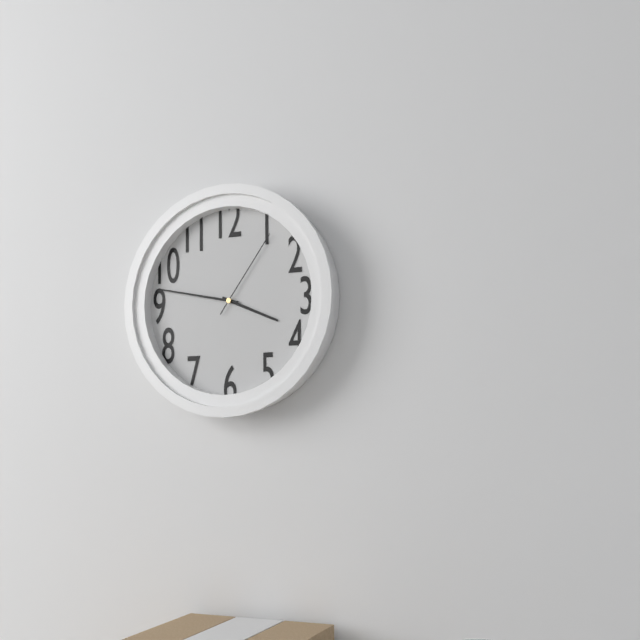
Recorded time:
{"hour": 3, "minute": 47, "second": 6}
